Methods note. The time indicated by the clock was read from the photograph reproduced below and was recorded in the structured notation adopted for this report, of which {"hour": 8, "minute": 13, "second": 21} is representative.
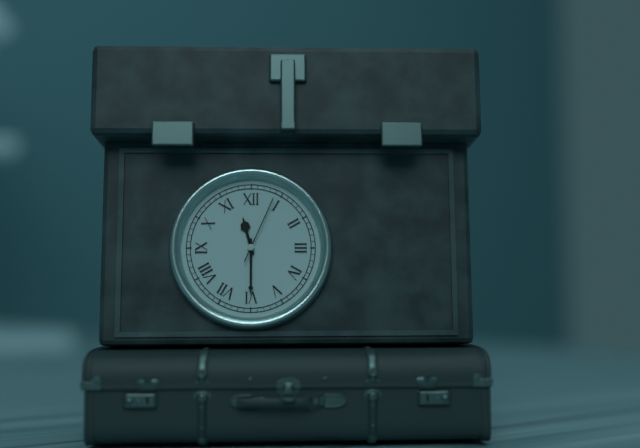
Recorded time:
{"hour": 11, "minute": 30, "second": 4}
